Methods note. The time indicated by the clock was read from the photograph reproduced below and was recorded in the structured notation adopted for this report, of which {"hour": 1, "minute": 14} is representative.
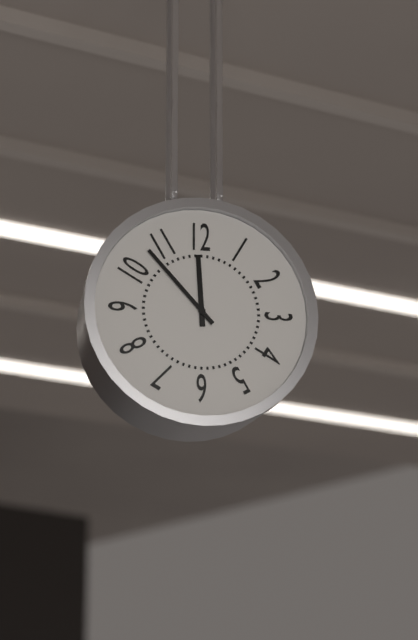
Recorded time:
{"hour": 11, "minute": 53}
